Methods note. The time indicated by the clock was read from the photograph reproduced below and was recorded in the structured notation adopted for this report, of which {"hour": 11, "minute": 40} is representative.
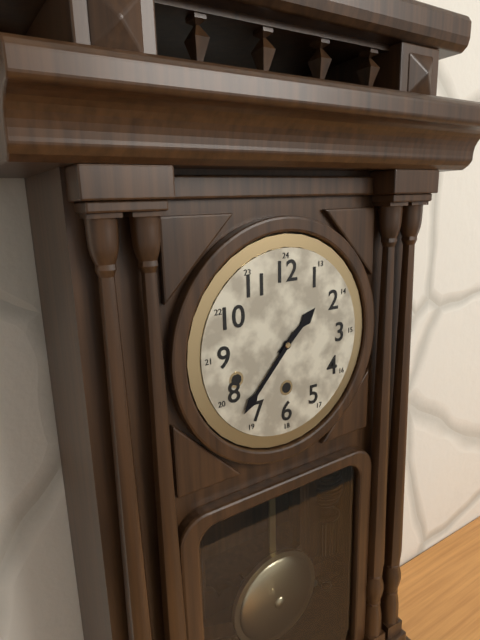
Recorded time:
{"hour": 1, "minute": 37}
